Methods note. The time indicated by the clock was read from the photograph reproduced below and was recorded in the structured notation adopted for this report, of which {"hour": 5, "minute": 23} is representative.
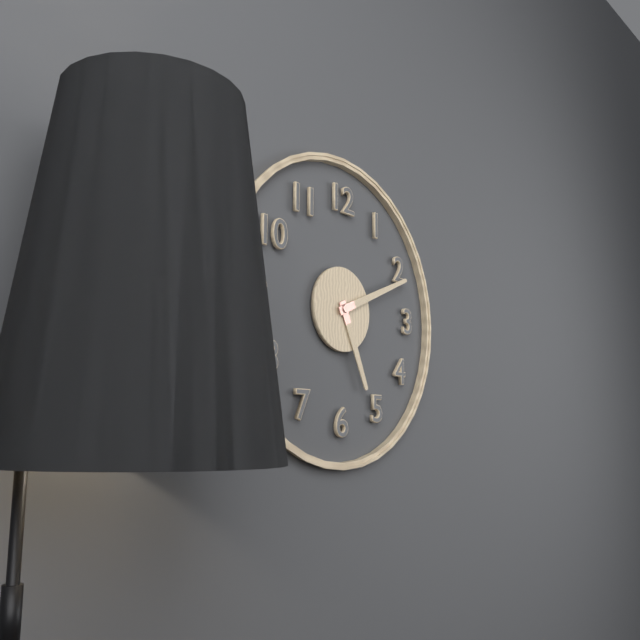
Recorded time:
{"hour": 5, "minute": 11}
